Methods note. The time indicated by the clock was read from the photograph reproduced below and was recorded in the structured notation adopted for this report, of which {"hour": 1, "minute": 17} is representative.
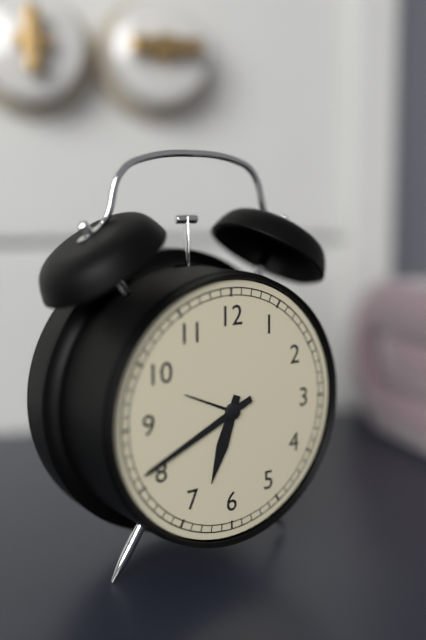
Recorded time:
{"hour": 6, "minute": 41}
